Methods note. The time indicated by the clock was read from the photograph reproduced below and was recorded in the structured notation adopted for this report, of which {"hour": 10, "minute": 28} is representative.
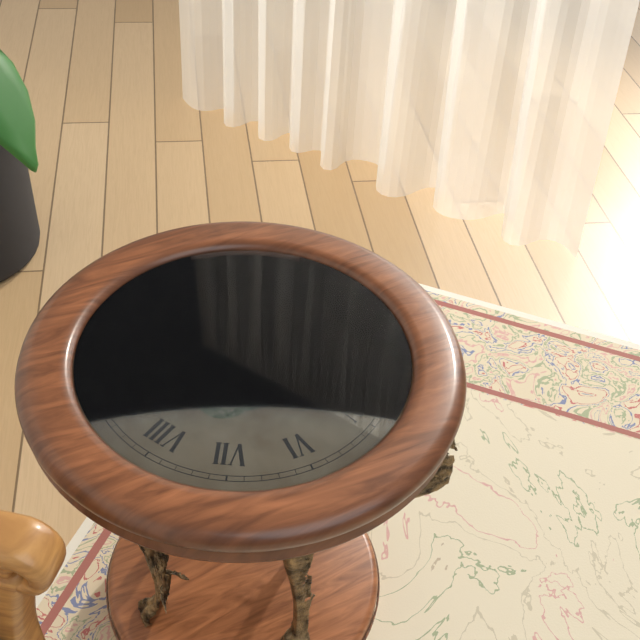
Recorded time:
{"hour": 7, "minute": 8}
